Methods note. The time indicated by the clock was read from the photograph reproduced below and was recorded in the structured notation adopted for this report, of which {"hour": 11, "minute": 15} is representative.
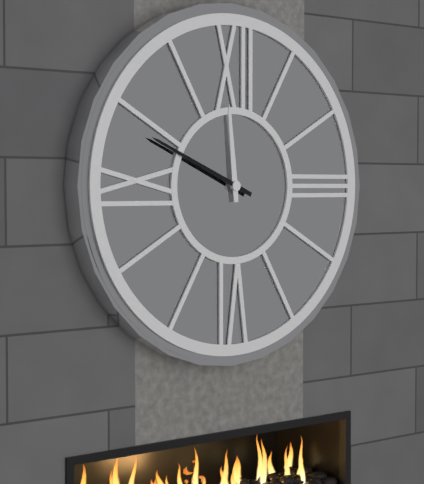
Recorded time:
{"hour": 11, "minute": 49}
